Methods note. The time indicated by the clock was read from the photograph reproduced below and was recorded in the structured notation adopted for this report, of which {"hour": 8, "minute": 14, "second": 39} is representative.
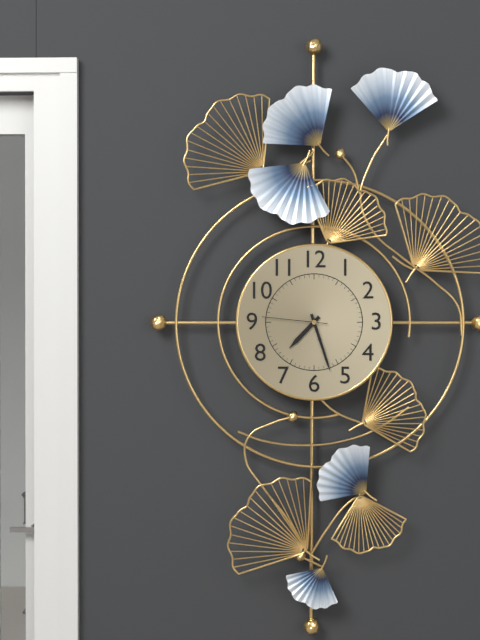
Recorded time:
{"hour": 7, "minute": 27, "second": 46}
